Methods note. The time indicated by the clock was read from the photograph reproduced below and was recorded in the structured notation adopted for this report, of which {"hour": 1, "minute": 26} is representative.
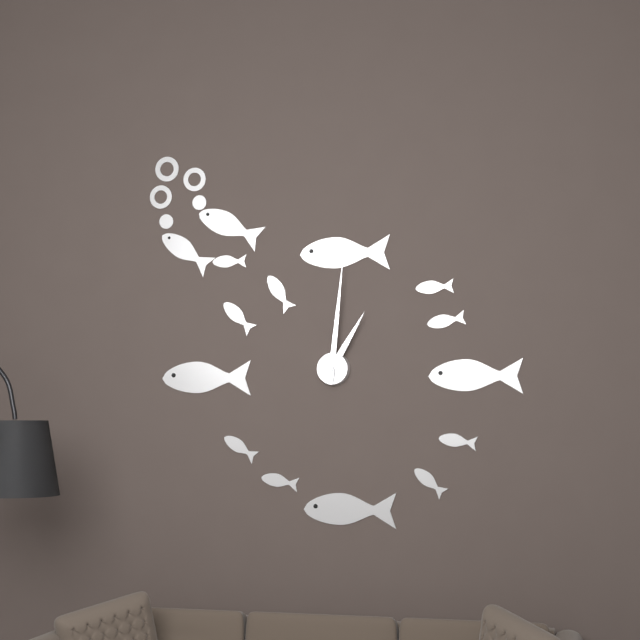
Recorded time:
{"hour": 1, "minute": 1}
